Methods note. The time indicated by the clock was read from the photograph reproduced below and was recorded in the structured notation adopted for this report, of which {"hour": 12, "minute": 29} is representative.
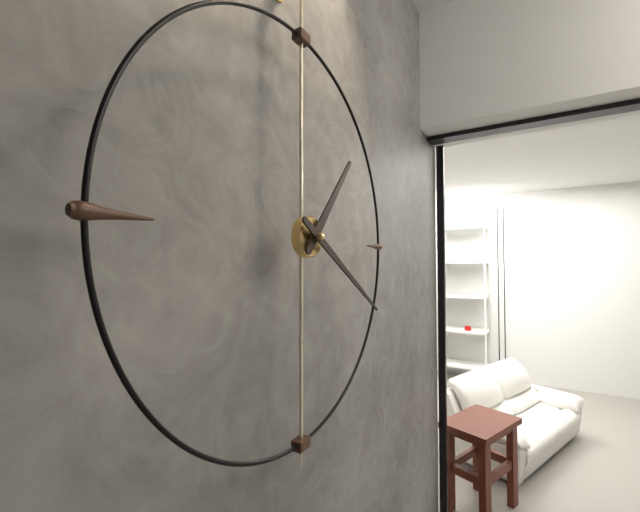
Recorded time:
{"hour": 1, "minute": 20}
